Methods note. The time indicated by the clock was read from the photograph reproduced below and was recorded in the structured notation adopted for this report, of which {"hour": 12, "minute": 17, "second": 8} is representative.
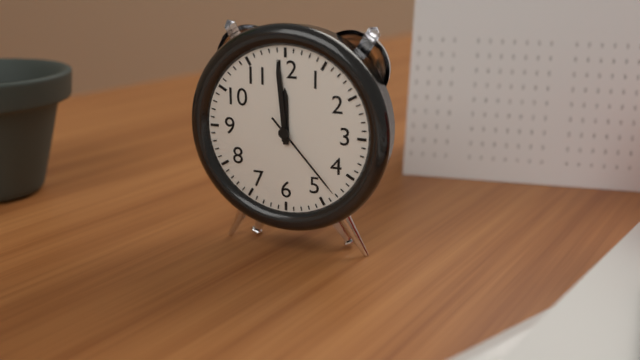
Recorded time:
{"hour": 11, "minute": 59, "second": 23}
